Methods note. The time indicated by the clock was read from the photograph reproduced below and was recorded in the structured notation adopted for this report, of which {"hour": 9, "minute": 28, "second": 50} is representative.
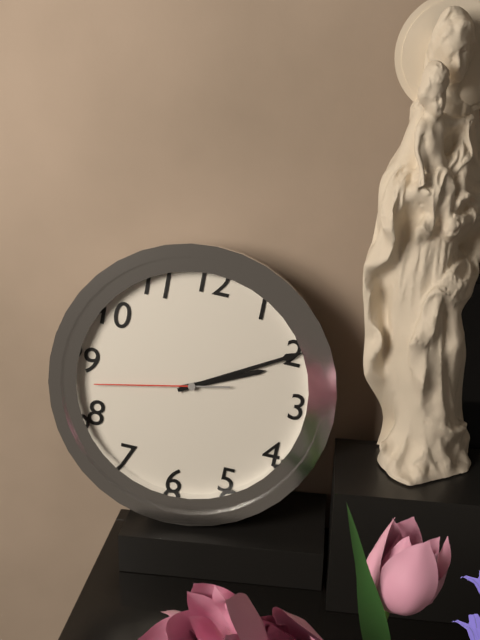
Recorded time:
{"hour": 2, "minute": 10, "second": 43}
